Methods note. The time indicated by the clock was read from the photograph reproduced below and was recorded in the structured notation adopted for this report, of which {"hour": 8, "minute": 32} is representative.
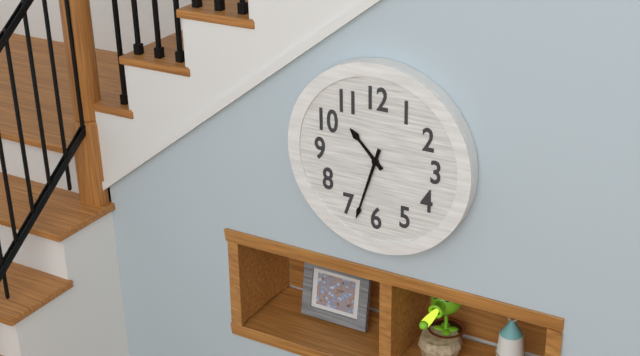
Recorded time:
{"hour": 10, "minute": 33}
